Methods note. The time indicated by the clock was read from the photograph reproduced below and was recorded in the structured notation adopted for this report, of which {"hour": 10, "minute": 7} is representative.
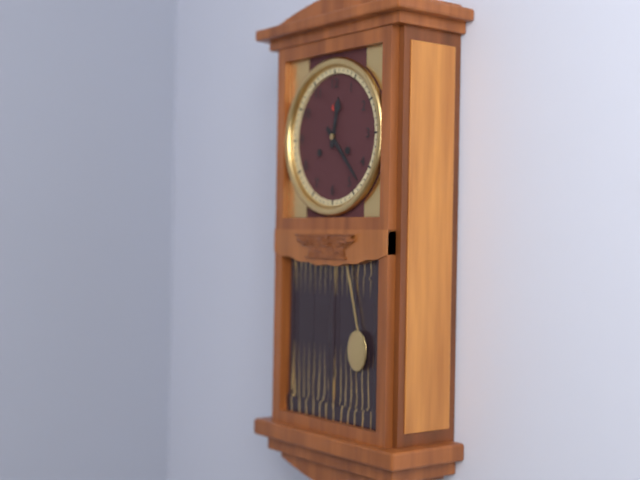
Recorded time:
{"hour": 12, "minute": 23}
